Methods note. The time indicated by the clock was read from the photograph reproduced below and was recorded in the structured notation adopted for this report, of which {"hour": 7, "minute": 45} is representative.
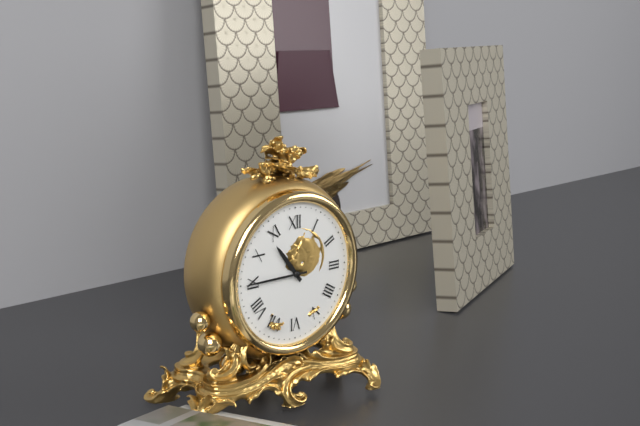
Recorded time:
{"hour": 10, "minute": 45}
